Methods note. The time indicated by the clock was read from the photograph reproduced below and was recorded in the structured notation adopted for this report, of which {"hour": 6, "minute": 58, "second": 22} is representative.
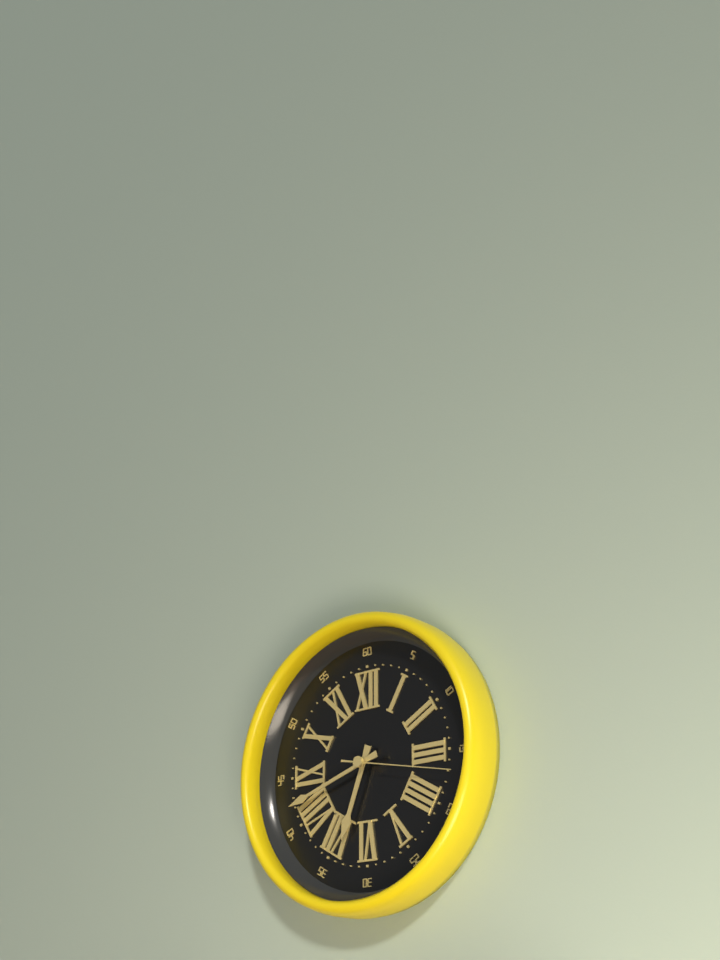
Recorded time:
{"hour": 6, "minute": 42, "second": 17}
